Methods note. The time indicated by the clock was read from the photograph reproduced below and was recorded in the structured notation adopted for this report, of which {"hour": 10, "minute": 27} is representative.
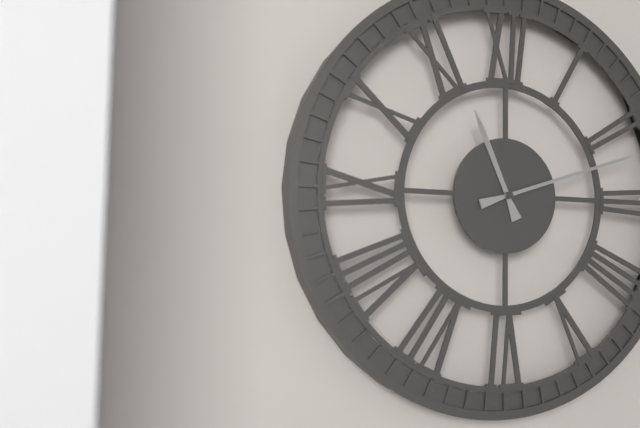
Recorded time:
{"hour": 11, "minute": 12}
